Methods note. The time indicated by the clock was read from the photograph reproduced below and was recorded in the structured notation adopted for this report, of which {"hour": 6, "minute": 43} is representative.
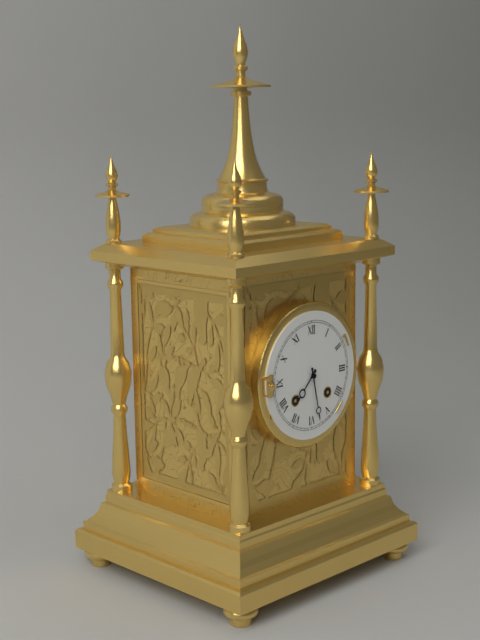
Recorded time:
{"hour": 7, "minute": 28}
